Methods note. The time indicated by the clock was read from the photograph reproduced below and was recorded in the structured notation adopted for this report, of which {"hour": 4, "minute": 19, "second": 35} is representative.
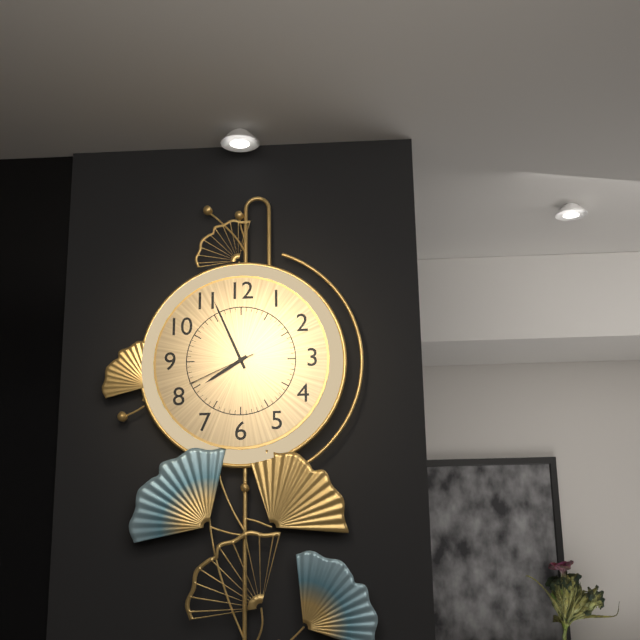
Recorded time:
{"hour": 7, "minute": 56, "second": 41}
